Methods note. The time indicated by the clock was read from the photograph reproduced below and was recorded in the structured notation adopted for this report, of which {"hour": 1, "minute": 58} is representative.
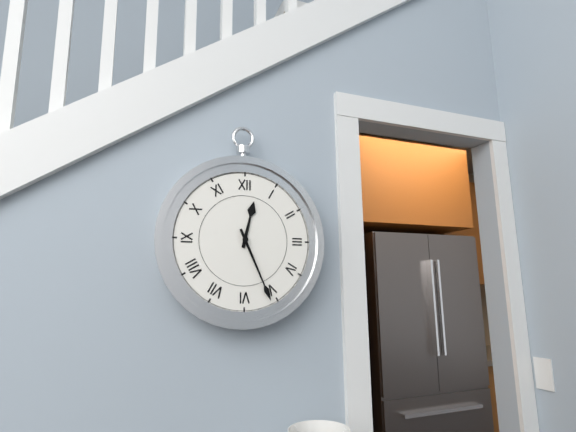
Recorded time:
{"hour": 12, "minute": 26}
